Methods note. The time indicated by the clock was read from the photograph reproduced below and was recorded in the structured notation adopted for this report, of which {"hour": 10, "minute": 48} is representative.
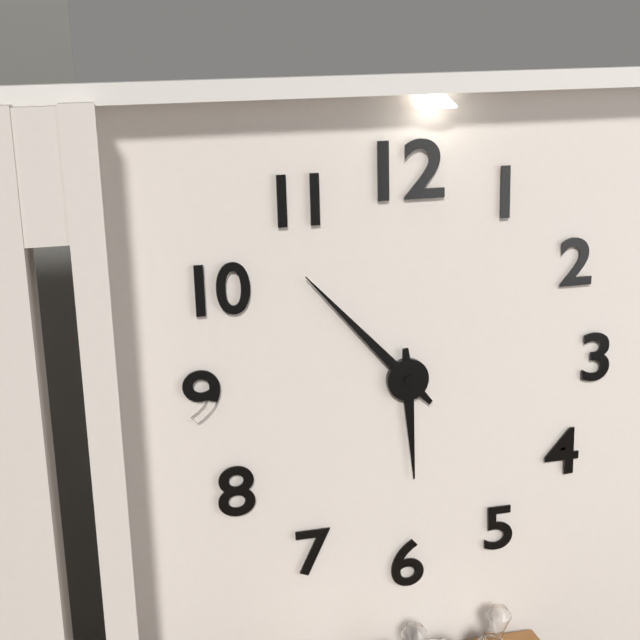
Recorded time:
{"hour": 5, "minute": 53}
